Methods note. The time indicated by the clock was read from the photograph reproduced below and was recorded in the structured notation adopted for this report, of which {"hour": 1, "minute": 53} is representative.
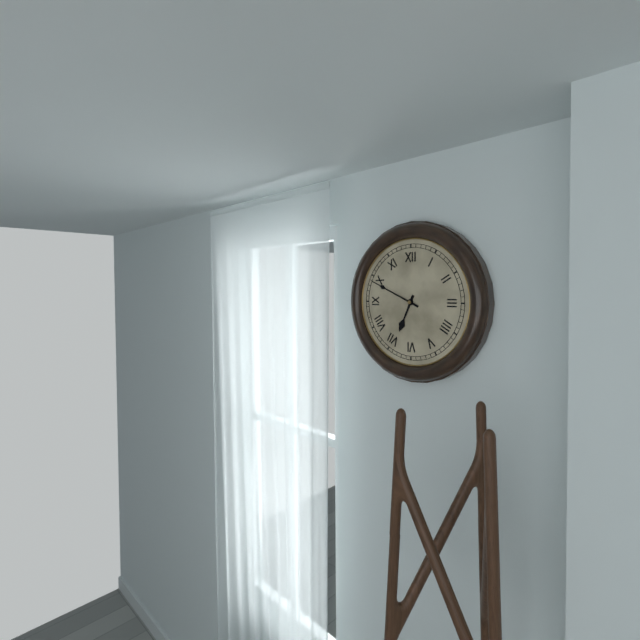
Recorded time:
{"hour": 6, "minute": 49}
